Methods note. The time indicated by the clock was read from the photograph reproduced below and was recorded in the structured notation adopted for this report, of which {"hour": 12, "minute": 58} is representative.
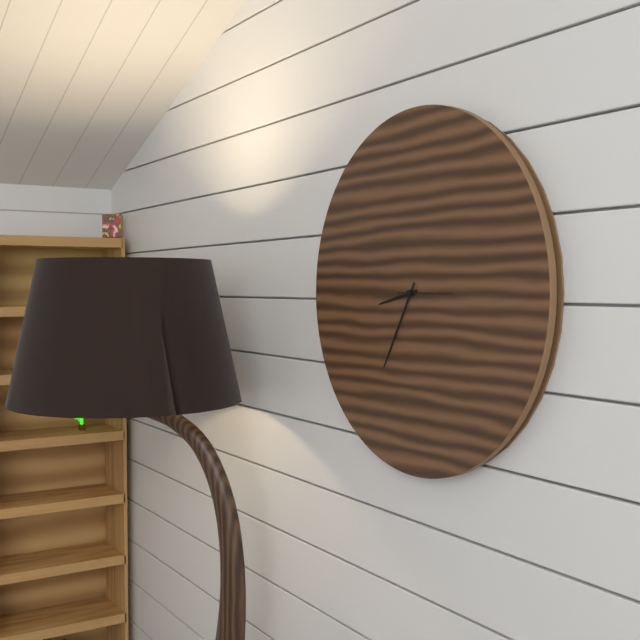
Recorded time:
{"hour": 8, "minute": 35}
